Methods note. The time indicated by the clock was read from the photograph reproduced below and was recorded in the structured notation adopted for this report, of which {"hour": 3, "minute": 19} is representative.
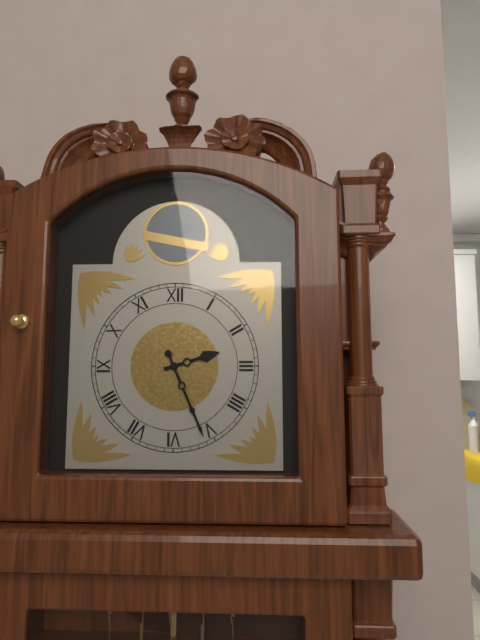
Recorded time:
{"hour": 2, "minute": 26}
